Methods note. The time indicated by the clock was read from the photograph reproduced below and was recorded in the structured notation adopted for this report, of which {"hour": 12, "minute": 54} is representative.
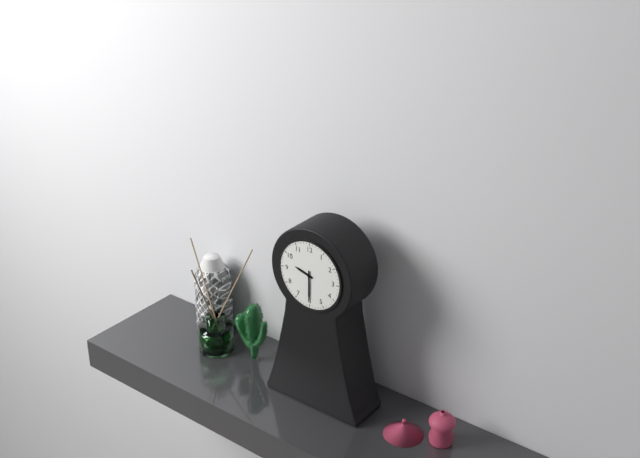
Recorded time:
{"hour": 9, "minute": 30}
